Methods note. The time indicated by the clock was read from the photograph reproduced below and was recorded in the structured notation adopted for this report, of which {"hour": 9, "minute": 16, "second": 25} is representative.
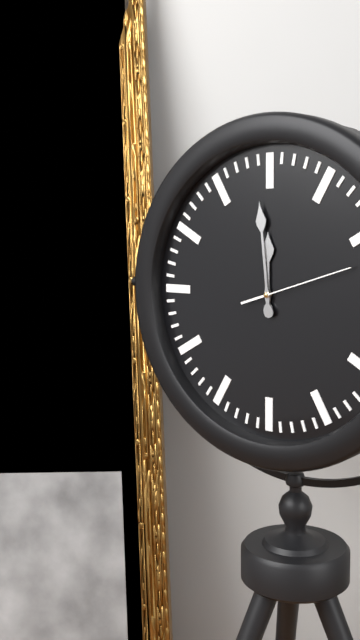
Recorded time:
{"hour": 11, "minute": 59, "second": 12}
